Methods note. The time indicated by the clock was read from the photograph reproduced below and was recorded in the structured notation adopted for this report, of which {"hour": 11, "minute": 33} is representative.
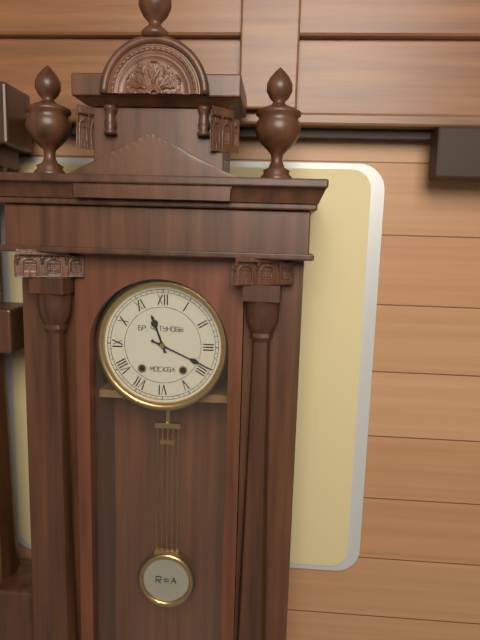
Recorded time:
{"hour": 11, "minute": 19}
